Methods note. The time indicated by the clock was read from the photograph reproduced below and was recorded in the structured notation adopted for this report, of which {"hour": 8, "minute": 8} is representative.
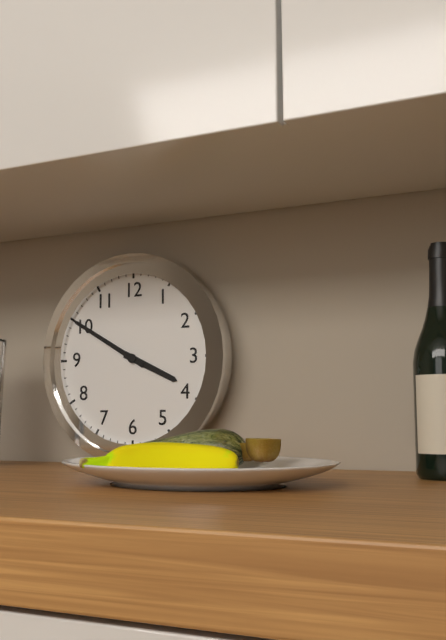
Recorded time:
{"hour": 3, "minute": 50}
